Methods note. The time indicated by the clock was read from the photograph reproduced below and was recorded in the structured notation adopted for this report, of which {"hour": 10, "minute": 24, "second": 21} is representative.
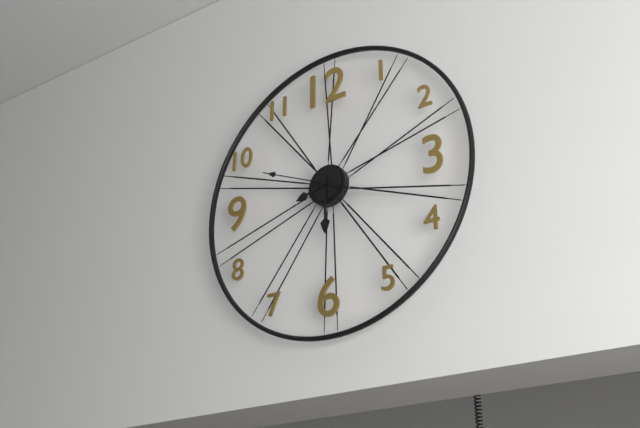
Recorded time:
{"hour": 8, "minute": 30, "second": 49}
